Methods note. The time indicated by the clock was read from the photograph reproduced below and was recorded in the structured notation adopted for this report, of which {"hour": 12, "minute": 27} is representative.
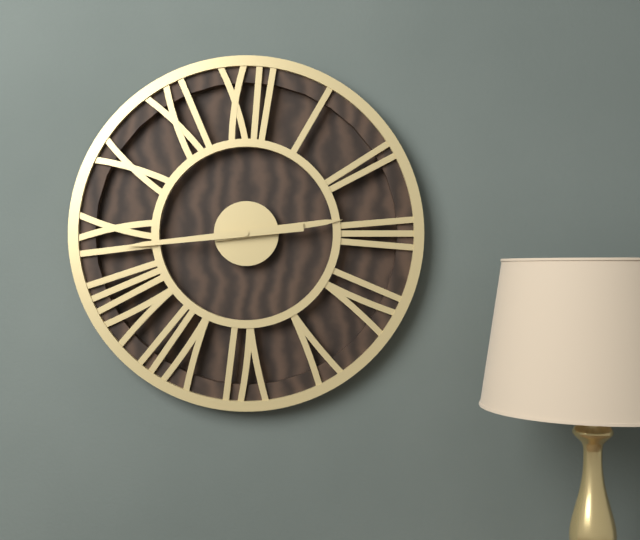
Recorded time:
{"hour": 2, "minute": 44}
